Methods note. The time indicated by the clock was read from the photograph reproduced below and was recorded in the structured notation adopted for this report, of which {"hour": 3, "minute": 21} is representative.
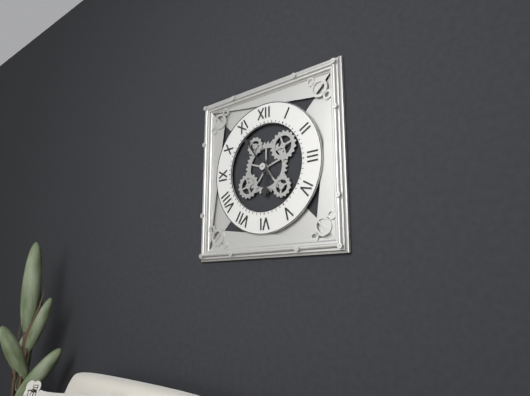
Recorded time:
{"hour": 5, "minute": 54}
